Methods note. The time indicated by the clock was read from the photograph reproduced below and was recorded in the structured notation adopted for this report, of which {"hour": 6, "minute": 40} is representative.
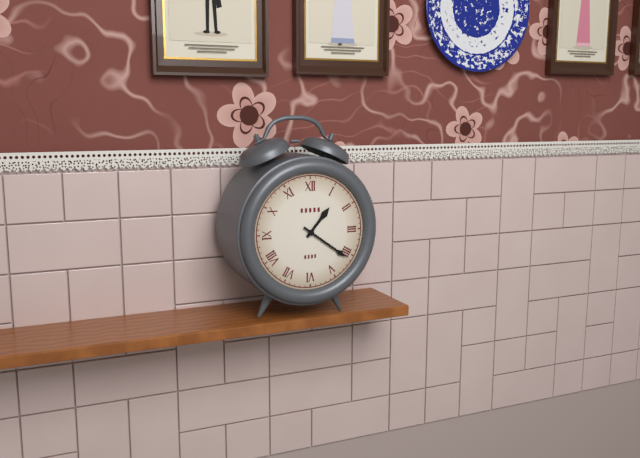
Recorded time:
{"hour": 1, "minute": 21}
